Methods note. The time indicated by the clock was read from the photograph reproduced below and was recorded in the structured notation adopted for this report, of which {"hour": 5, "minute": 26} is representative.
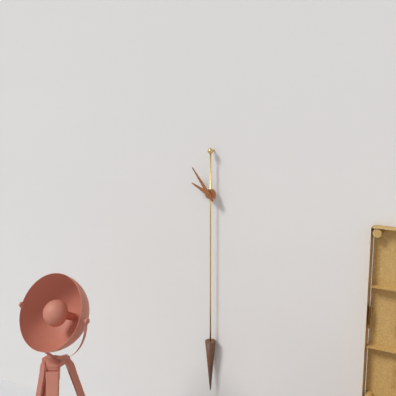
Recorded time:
{"hour": 9, "minute": 54}
